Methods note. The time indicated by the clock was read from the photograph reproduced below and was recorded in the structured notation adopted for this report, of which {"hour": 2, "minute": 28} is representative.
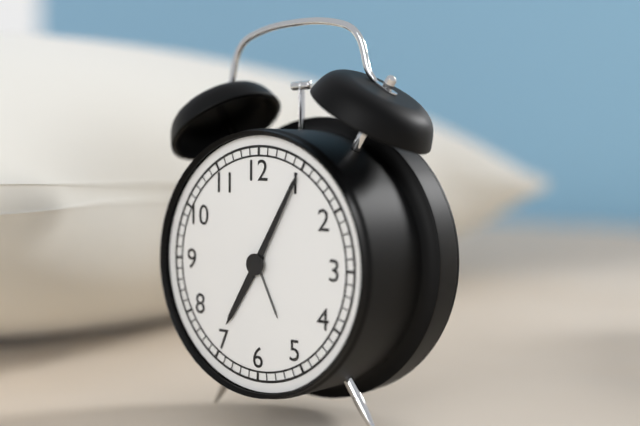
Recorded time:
{"hour": 7, "minute": 5}
